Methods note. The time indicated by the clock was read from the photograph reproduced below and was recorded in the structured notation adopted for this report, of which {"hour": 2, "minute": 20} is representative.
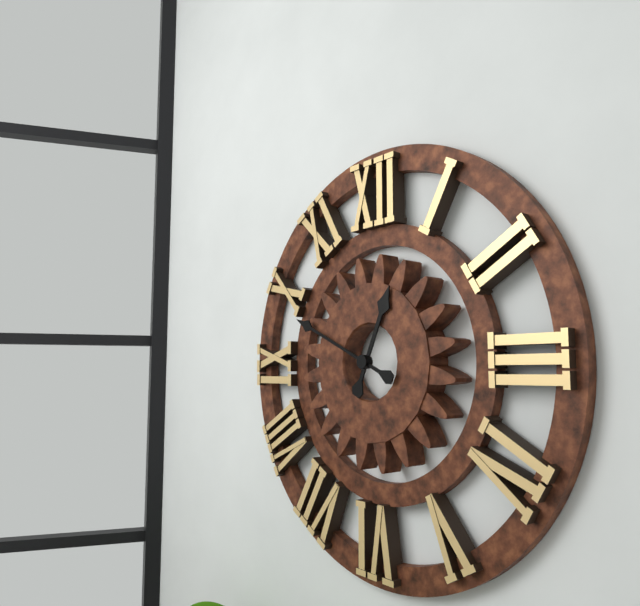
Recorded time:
{"hour": 12, "minute": 49}
